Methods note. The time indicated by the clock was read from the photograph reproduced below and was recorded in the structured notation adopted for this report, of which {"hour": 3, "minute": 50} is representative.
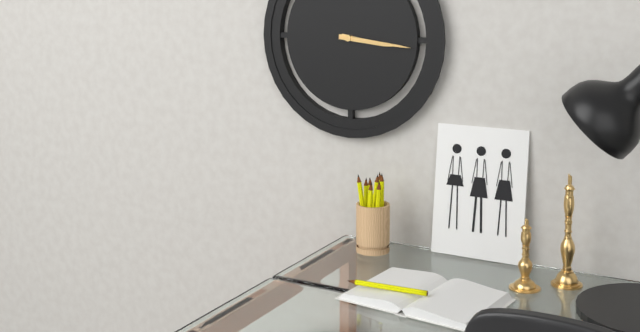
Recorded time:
{"hour": 3, "minute": 16}
